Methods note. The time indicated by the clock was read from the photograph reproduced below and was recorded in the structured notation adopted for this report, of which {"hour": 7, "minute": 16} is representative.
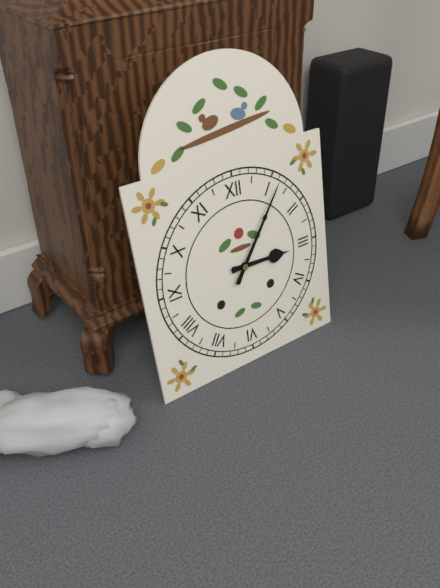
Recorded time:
{"hour": 3, "minute": 6}
